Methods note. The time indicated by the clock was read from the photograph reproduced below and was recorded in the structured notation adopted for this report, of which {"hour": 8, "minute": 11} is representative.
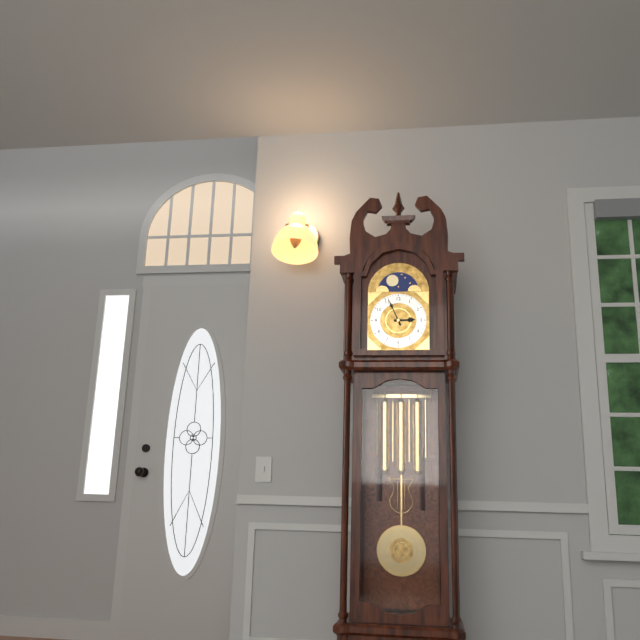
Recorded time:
{"hour": 2, "minute": 56}
